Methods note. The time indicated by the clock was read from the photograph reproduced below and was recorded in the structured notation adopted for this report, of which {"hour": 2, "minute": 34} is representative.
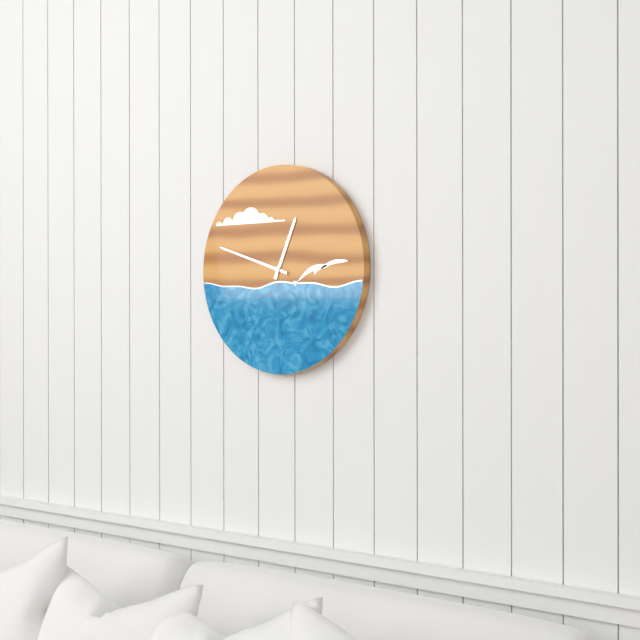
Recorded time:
{"hour": 12, "minute": 48}
